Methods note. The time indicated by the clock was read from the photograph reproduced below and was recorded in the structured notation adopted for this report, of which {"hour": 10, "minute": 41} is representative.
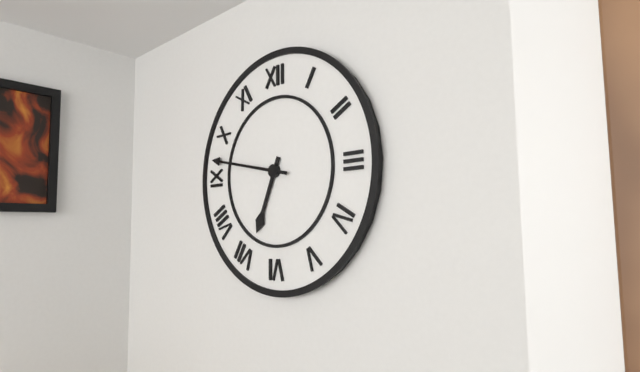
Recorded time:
{"hour": 6, "minute": 47}
